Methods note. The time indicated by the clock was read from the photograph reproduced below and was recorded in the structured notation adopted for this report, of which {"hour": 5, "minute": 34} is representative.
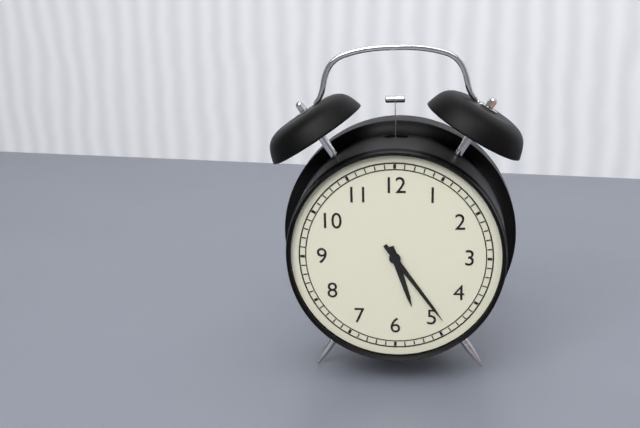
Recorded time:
{"hour": 5, "minute": 24}
